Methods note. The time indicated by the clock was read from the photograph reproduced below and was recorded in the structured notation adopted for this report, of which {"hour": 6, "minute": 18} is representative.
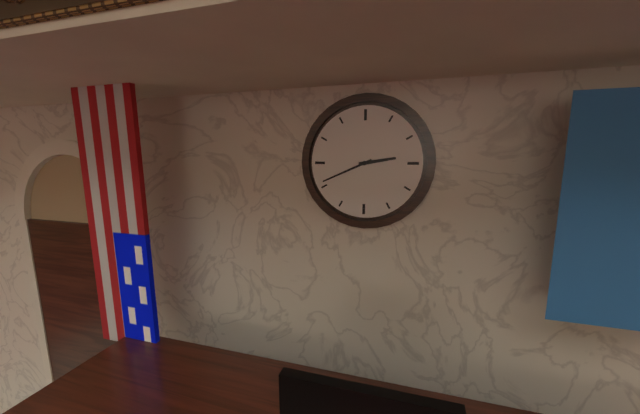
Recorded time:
{"hour": 2, "minute": 41}
